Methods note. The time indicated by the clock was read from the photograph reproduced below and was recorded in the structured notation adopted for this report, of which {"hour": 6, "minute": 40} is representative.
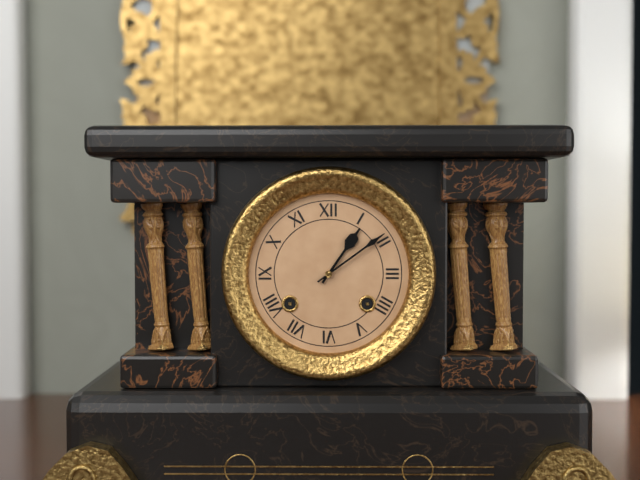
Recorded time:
{"hour": 1, "minute": 9}
